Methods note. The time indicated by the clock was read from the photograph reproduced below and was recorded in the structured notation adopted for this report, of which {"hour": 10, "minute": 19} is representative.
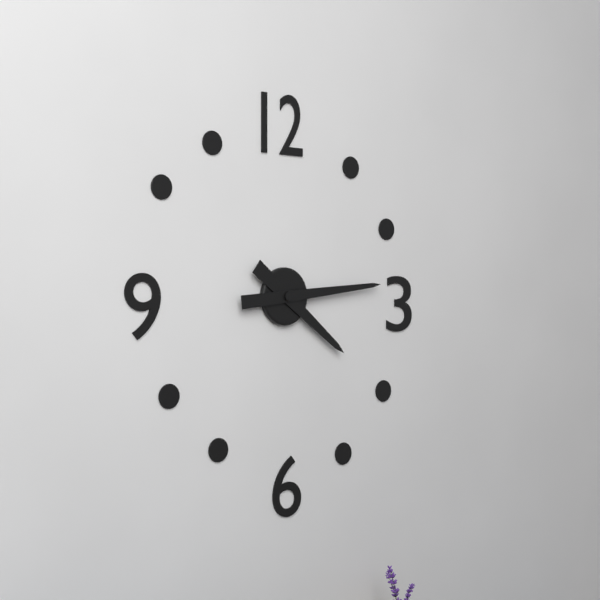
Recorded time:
{"hour": 4, "minute": 14}
